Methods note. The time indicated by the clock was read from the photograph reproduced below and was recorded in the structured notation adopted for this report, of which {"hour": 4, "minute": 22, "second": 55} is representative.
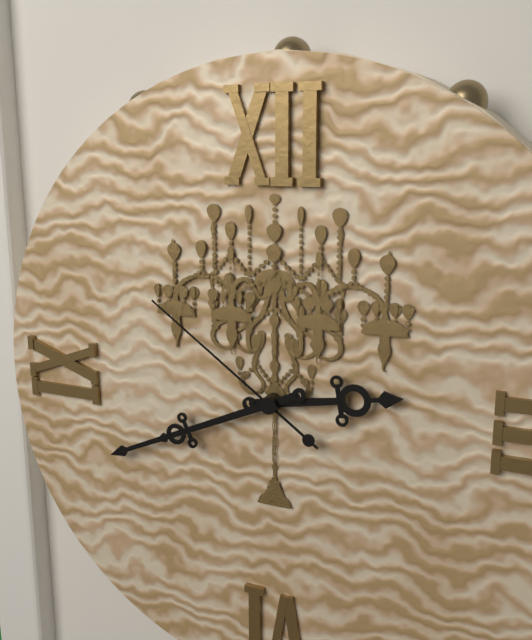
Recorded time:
{"hour": 2, "minute": 41, "second": 51}
